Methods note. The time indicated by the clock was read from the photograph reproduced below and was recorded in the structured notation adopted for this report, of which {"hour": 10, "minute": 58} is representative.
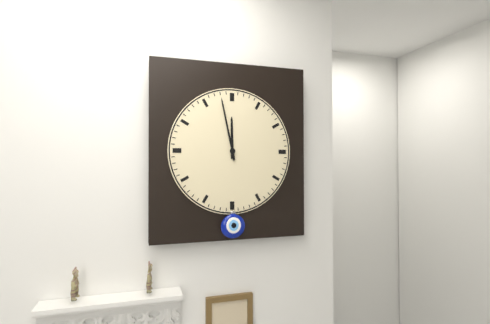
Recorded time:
{"hour": 11, "minute": 58}
